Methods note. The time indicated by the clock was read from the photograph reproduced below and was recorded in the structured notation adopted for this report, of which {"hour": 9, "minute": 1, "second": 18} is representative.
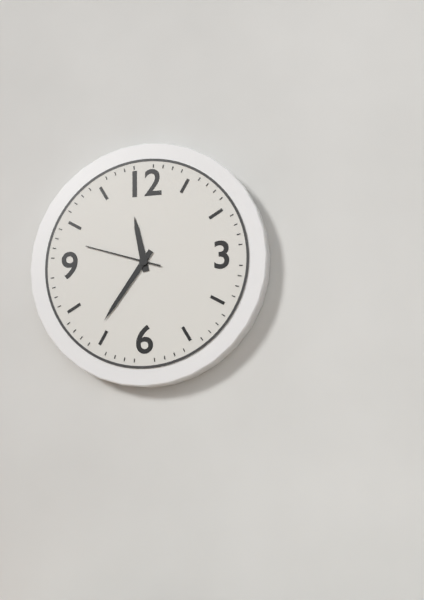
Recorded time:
{"hour": 11, "minute": 36, "second": 48}
